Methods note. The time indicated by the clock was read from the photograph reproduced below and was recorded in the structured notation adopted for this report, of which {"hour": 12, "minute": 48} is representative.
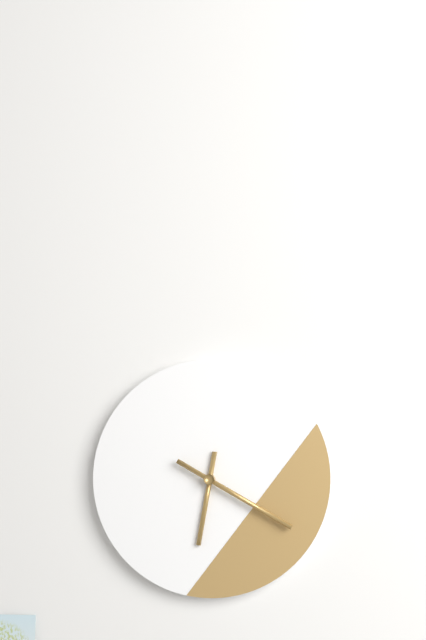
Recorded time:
{"hour": 6, "minute": 20}
